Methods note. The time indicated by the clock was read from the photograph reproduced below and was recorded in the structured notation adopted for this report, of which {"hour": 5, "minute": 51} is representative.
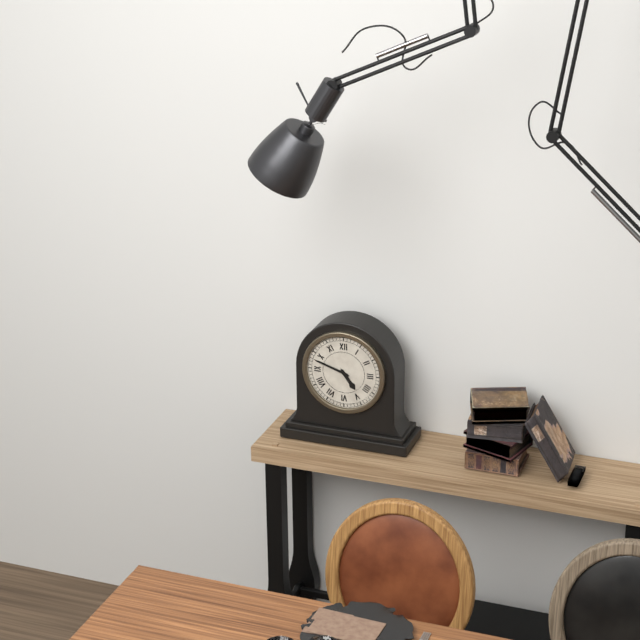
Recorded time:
{"hour": 4, "minute": 48}
